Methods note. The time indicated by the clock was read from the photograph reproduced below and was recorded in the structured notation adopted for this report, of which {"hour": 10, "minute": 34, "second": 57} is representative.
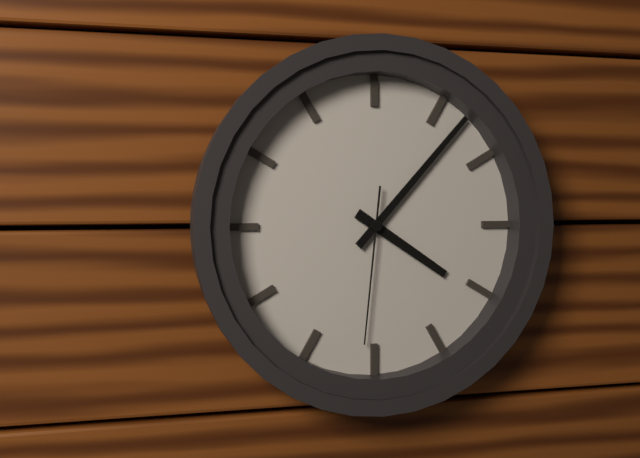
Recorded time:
{"hour": 4, "minute": 7, "second": 31}
